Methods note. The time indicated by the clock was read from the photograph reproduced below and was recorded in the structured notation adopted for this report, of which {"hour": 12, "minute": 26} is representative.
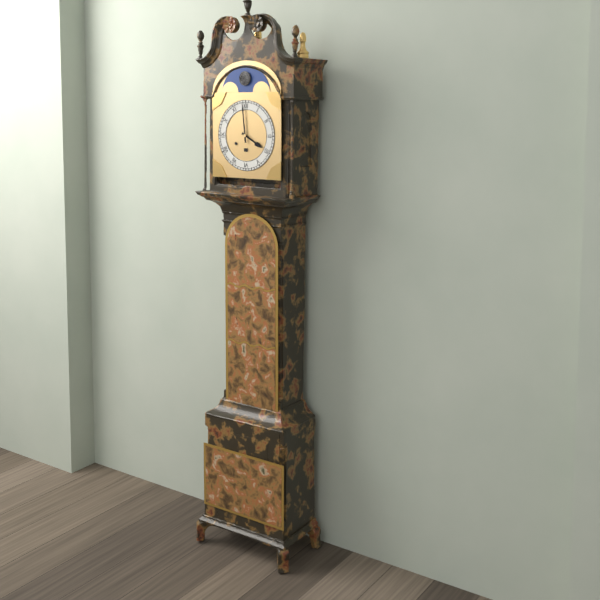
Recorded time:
{"hour": 3, "minute": 59}
